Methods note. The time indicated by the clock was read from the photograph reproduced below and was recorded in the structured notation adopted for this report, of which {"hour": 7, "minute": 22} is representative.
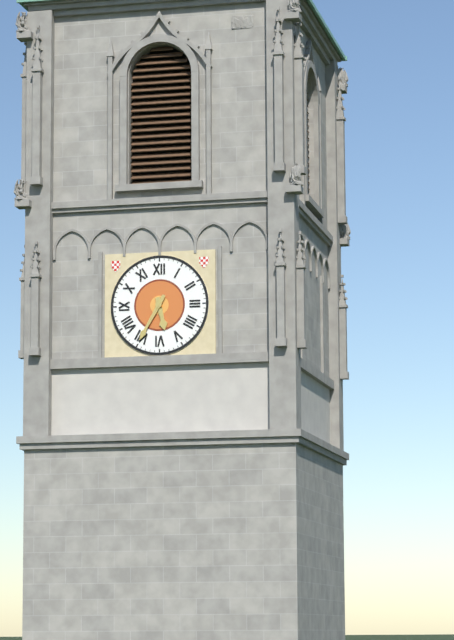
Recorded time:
{"hour": 5, "minute": 35}
